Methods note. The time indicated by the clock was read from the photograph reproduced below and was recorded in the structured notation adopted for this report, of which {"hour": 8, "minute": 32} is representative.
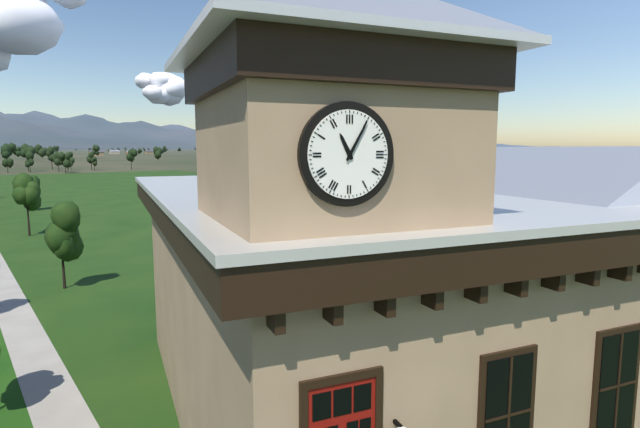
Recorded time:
{"hour": 11, "minute": 5}
